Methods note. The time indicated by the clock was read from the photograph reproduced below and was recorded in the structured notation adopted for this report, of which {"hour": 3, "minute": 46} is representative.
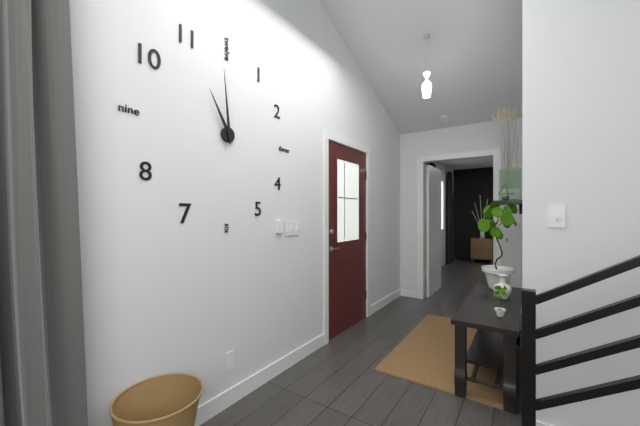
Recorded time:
{"hour": 10, "minute": 59}
